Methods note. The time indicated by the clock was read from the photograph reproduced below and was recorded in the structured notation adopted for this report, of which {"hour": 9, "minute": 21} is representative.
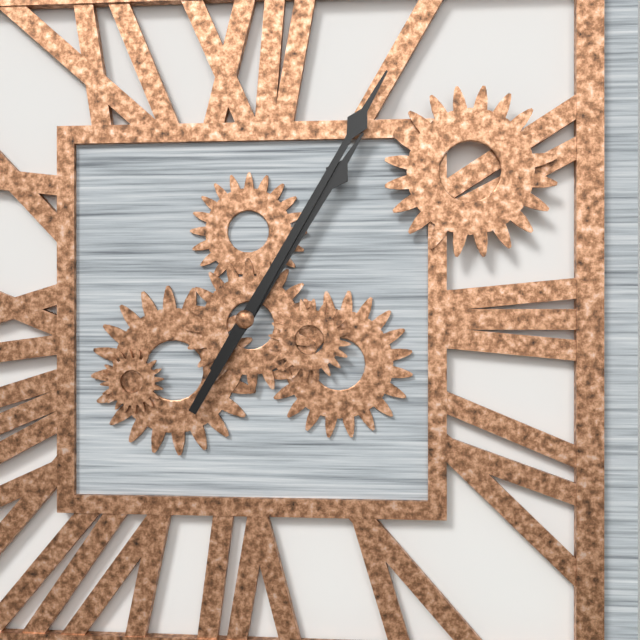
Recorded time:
{"hour": 1, "minute": 5}
